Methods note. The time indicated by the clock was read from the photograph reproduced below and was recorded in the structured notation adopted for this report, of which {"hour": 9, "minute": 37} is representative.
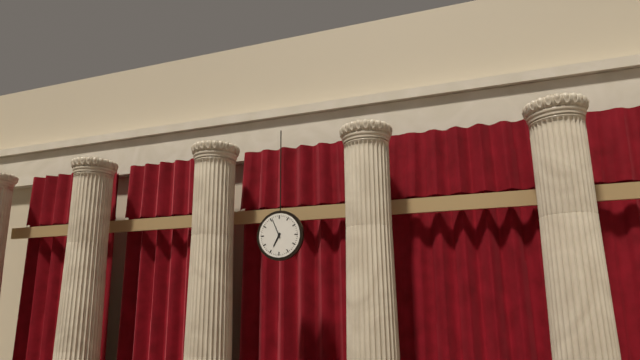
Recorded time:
{"hour": 6, "minute": 56}
